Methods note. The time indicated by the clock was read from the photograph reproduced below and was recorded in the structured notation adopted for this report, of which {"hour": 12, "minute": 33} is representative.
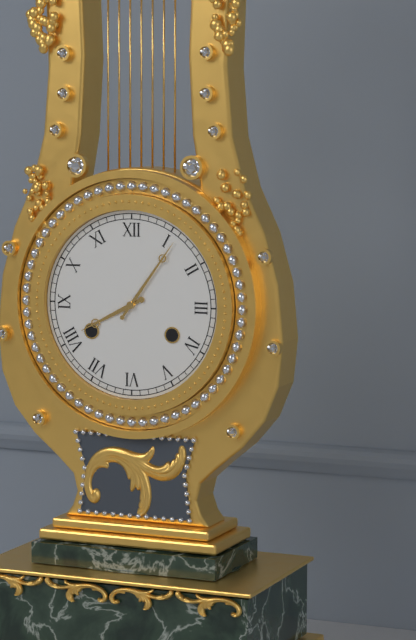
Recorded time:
{"hour": 8, "minute": 6}
